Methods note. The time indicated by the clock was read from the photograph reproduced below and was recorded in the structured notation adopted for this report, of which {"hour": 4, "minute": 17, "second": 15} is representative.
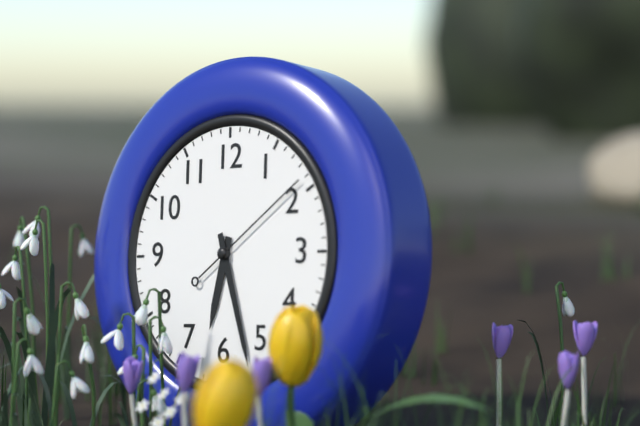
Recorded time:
{"hour": 6, "minute": 27, "second": 9}
